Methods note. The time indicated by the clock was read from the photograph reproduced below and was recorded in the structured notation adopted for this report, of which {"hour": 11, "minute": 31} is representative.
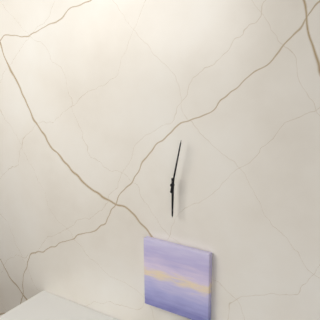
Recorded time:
{"hour": 6, "minute": 2}
